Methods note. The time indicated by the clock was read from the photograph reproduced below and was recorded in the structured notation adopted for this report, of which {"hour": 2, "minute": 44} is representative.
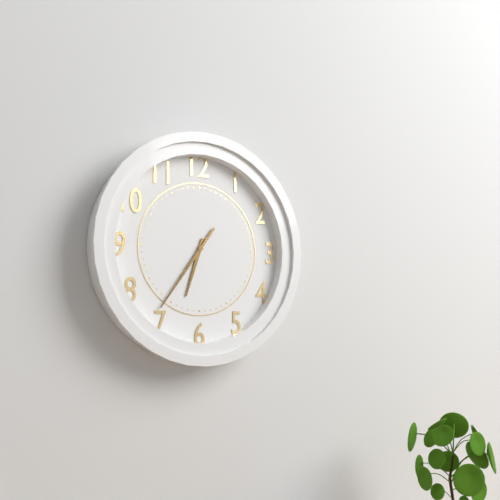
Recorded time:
{"hour": 6, "minute": 36}
